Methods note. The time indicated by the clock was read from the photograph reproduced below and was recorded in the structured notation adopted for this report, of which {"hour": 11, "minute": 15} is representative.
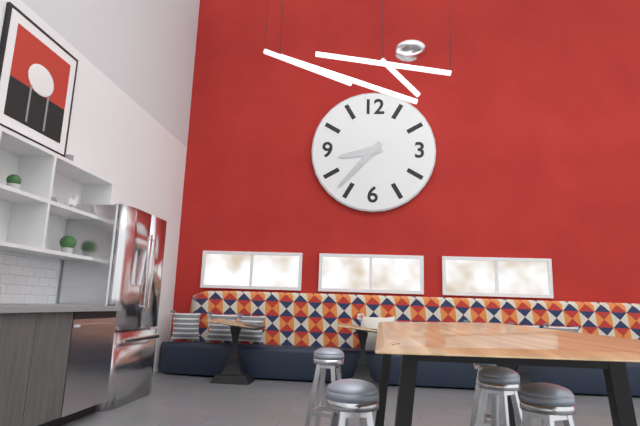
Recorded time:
{"hour": 8, "minute": 37}
